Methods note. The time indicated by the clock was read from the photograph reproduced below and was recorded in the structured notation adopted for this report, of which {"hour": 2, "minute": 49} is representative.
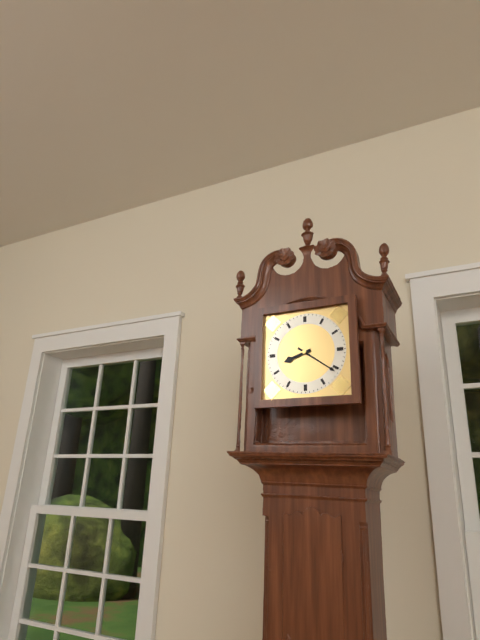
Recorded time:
{"hour": 8, "minute": 21}
